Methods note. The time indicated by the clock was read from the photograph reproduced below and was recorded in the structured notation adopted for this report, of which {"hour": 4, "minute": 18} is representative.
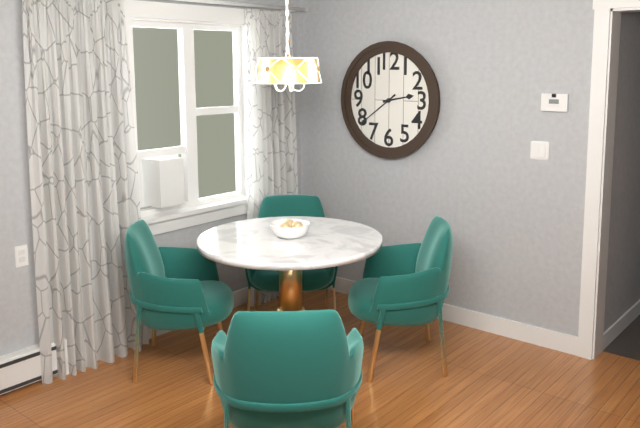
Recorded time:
{"hour": 2, "minute": 39}
